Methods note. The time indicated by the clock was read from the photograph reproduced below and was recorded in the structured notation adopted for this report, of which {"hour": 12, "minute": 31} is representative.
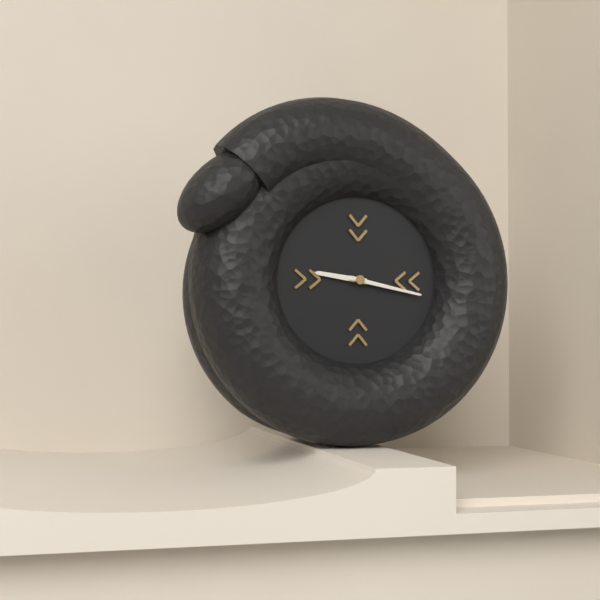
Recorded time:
{"hour": 9, "minute": 17}
